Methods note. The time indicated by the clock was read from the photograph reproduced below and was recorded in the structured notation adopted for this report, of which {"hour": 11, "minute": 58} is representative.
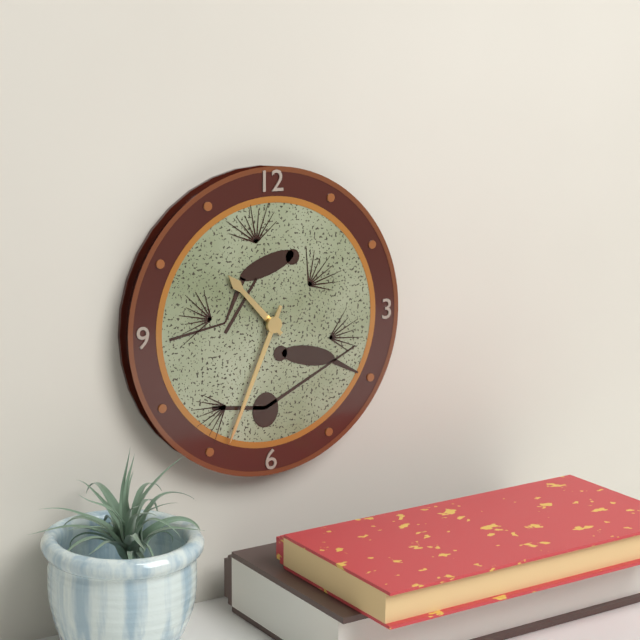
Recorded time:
{"hour": 10, "minute": 34}
